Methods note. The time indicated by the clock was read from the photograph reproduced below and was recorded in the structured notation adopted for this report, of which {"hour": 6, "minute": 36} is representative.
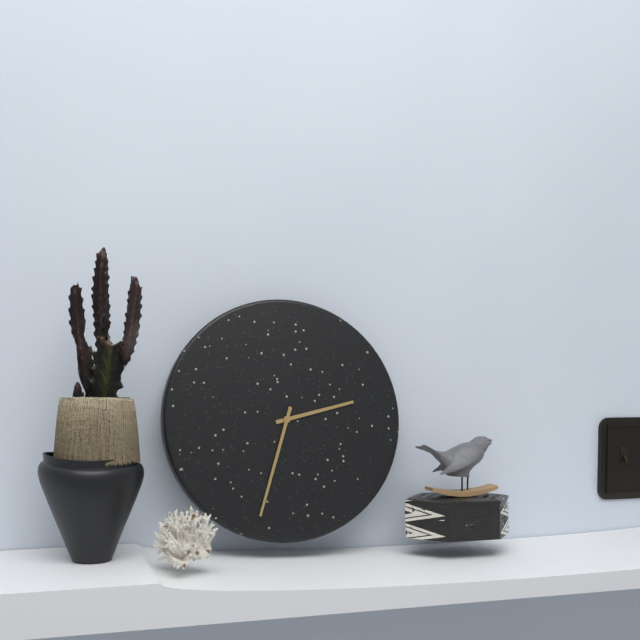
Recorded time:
{"hour": 2, "minute": 33}
